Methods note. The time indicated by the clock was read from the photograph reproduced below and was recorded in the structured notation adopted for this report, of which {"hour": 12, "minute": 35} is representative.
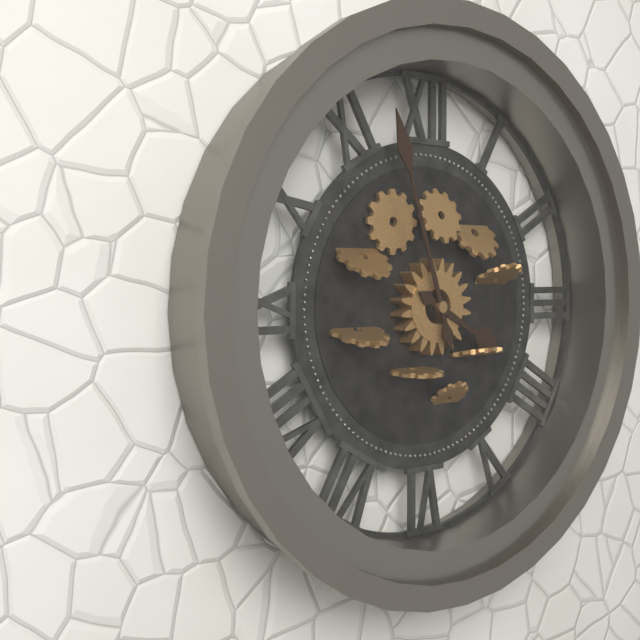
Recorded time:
{"hour": 3, "minute": 57}
